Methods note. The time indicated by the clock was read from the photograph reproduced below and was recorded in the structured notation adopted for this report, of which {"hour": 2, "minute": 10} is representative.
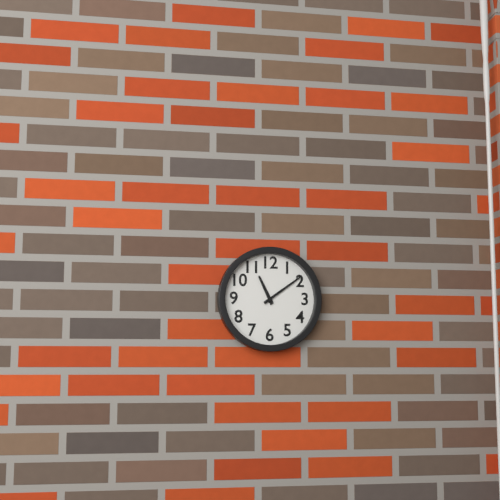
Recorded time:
{"hour": 11, "minute": 9}
